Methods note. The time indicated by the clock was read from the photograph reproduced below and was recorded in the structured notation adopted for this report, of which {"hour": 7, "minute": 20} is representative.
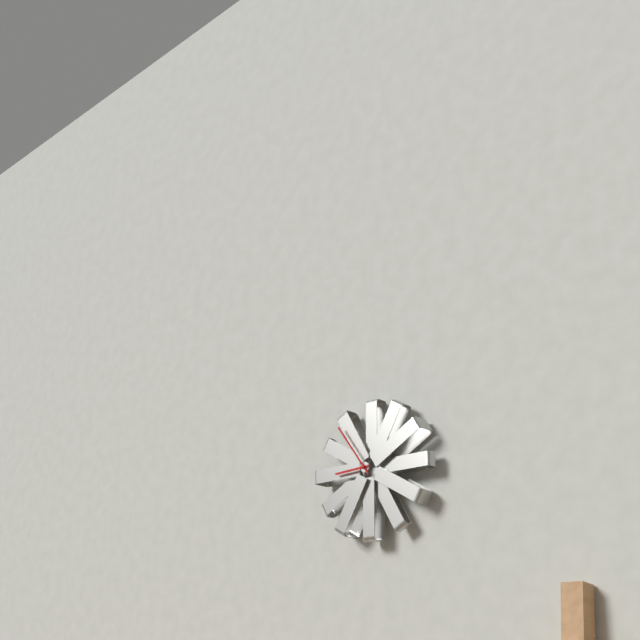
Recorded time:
{"hour": 8, "minute": 54}
